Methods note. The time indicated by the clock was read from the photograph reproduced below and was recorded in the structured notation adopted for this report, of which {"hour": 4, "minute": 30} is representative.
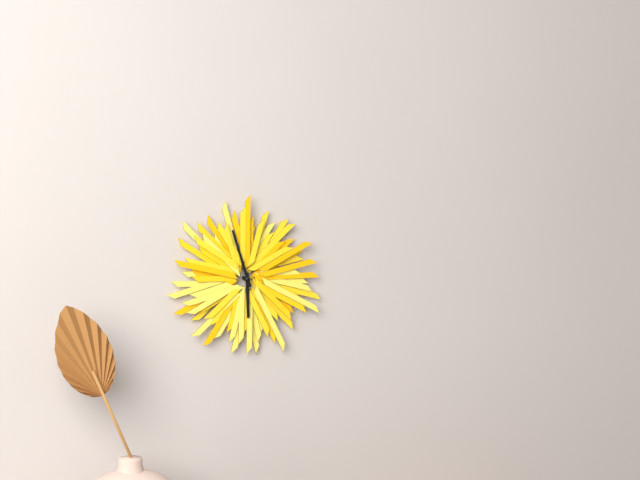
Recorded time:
{"hour": 5, "minute": 57}
